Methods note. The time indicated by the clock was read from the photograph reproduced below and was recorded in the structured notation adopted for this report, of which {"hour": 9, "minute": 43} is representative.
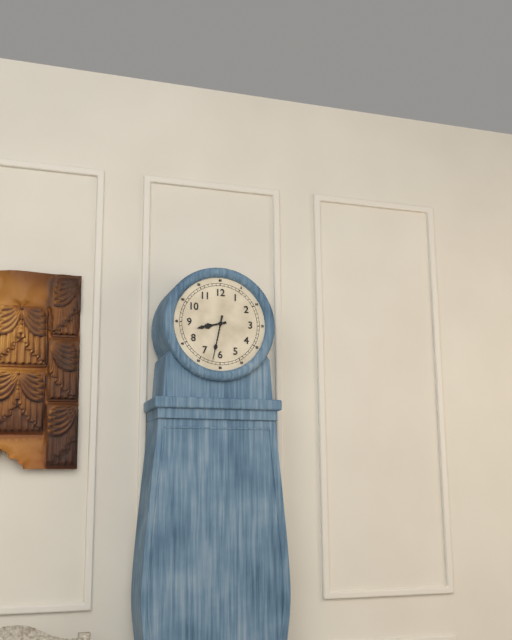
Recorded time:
{"hour": 8, "minute": 32}
